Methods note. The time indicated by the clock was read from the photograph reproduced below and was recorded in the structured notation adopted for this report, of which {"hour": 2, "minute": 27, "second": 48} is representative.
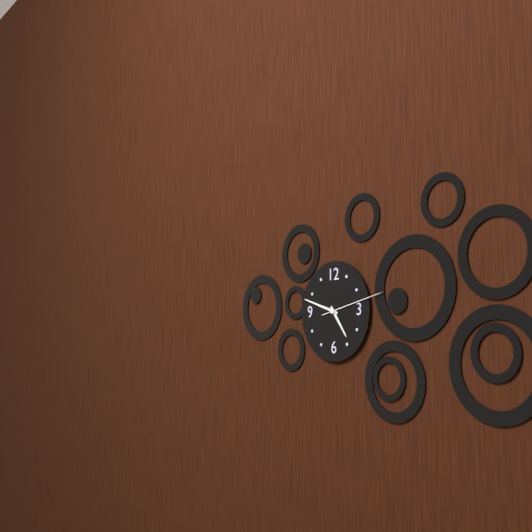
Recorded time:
{"hour": 4, "minute": 48, "second": 13}
